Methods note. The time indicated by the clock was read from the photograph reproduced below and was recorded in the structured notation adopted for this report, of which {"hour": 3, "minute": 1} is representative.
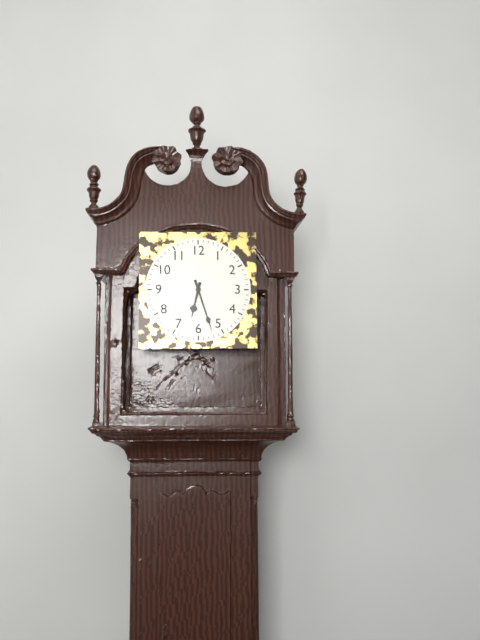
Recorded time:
{"hour": 6, "minute": 27}
